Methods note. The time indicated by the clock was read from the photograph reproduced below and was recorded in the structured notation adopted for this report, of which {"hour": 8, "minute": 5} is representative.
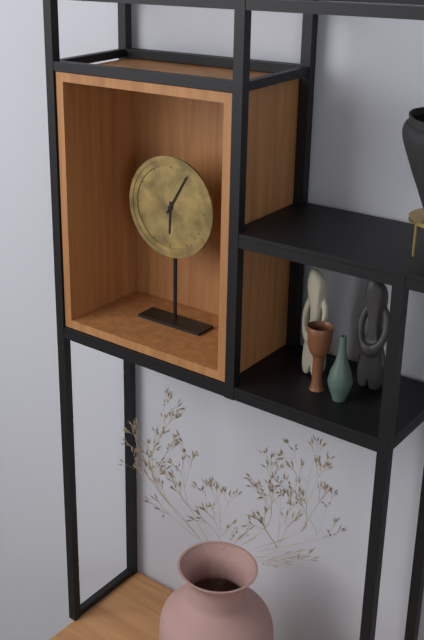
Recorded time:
{"hour": 6, "minute": 5}
